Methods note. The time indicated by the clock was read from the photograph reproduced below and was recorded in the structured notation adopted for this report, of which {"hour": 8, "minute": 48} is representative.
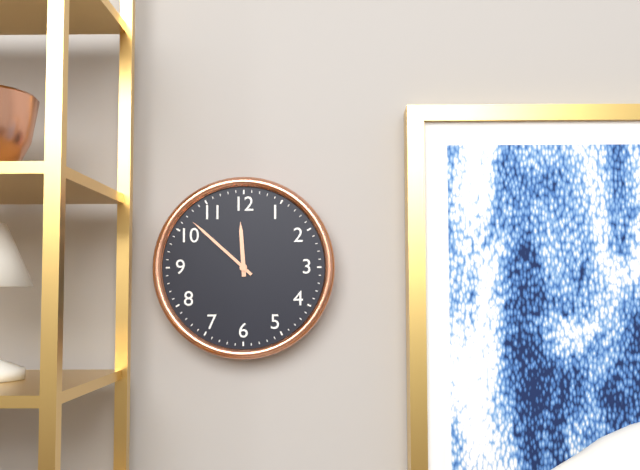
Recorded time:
{"hour": 11, "minute": 52}
